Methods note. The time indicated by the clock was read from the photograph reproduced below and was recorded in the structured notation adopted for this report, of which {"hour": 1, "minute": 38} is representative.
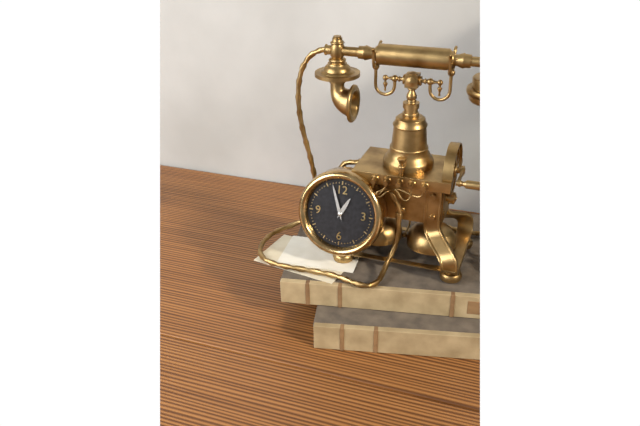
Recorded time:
{"hour": 12, "minute": 57}
